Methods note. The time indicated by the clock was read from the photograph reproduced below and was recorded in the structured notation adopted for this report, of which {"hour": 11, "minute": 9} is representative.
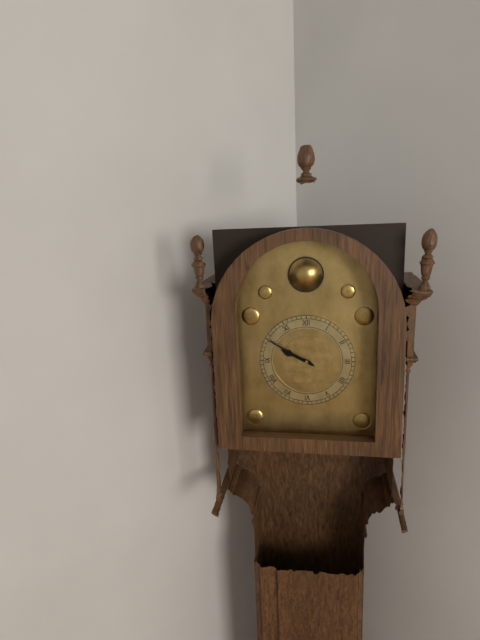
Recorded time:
{"hour": 9, "minute": 50}
